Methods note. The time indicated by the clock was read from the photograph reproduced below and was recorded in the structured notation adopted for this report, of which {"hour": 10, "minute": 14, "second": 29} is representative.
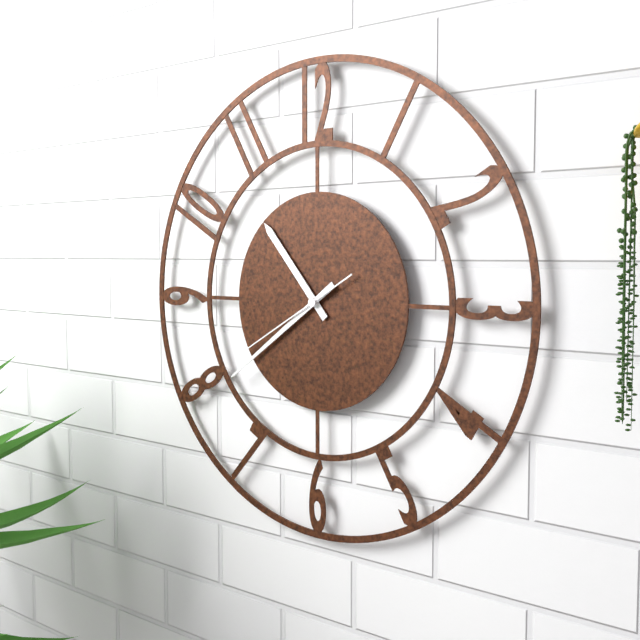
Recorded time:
{"hour": 10, "minute": 39, "second": 40}
